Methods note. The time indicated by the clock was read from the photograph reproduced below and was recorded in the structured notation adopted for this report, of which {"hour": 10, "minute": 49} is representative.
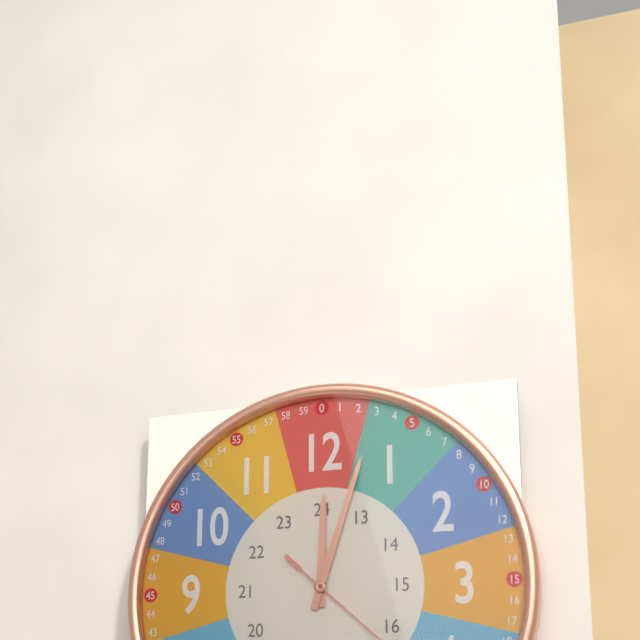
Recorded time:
{"hour": 12, "minute": 3}
